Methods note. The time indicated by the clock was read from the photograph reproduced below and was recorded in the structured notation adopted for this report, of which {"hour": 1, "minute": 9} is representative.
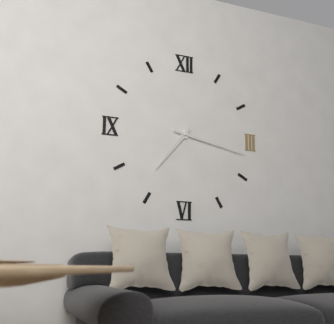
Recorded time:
{"hour": 7, "minute": 17}
